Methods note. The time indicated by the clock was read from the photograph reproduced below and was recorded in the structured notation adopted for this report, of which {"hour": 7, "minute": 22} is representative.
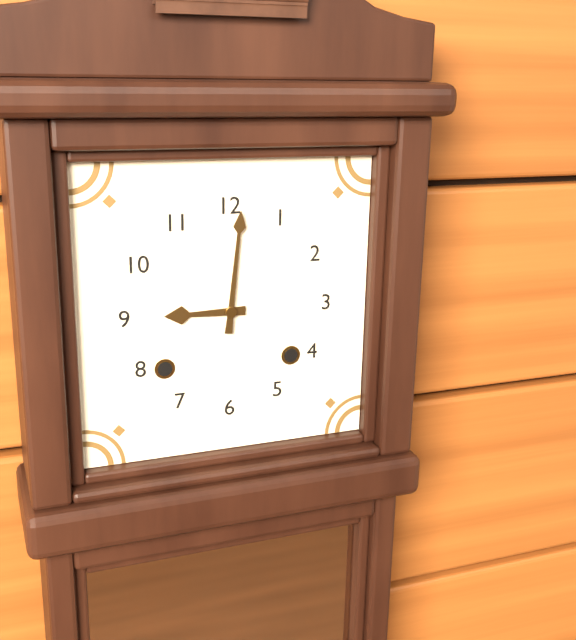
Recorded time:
{"hour": 9, "minute": 1}
